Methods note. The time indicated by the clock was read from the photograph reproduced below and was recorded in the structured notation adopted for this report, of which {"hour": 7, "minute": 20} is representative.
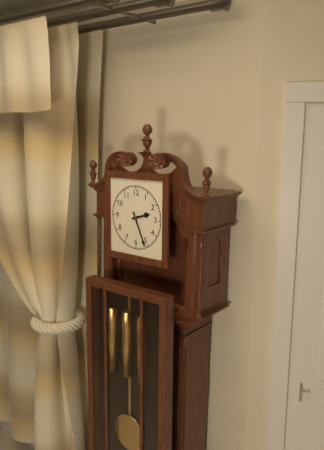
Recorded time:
{"hour": 2, "minute": 26}
